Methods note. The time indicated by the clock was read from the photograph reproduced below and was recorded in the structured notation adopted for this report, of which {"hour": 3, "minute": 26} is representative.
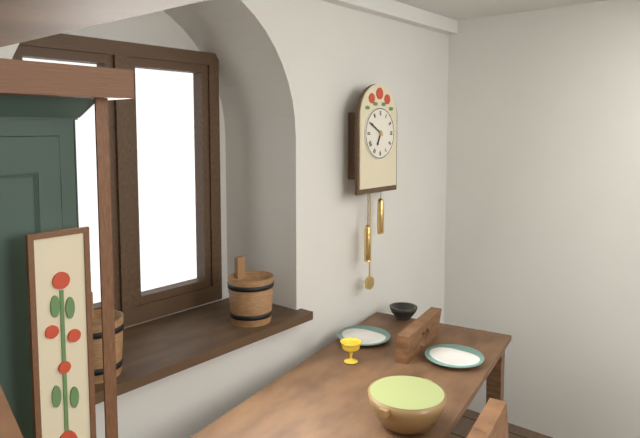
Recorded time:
{"hour": 6, "minute": 50}
